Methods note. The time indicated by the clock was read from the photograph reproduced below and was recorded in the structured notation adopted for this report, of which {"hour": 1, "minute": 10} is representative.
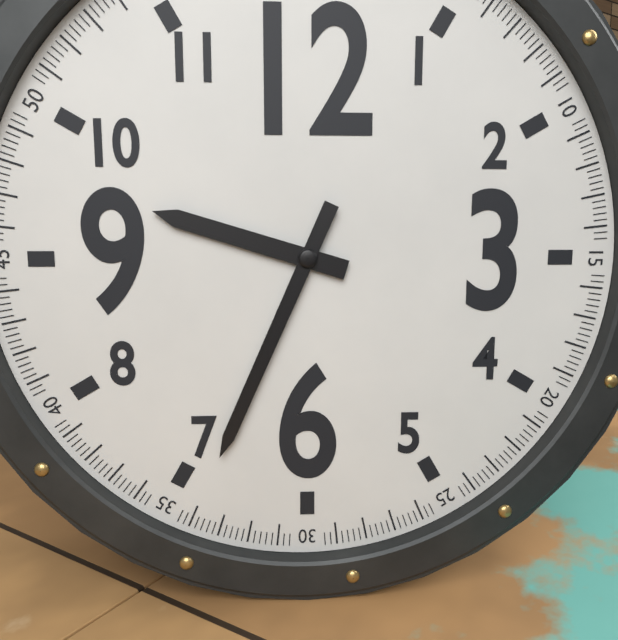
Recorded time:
{"hour": 9, "minute": 34}
